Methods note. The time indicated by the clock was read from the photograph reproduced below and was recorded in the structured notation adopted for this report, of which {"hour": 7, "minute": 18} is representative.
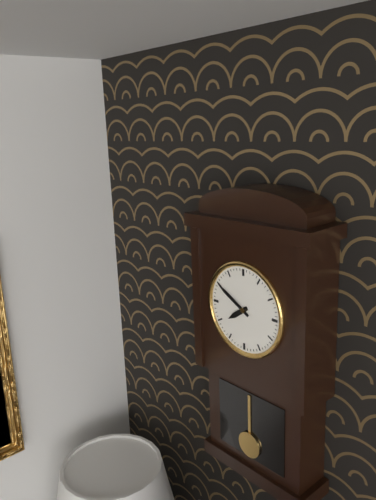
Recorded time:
{"hour": 7, "minute": 50}
